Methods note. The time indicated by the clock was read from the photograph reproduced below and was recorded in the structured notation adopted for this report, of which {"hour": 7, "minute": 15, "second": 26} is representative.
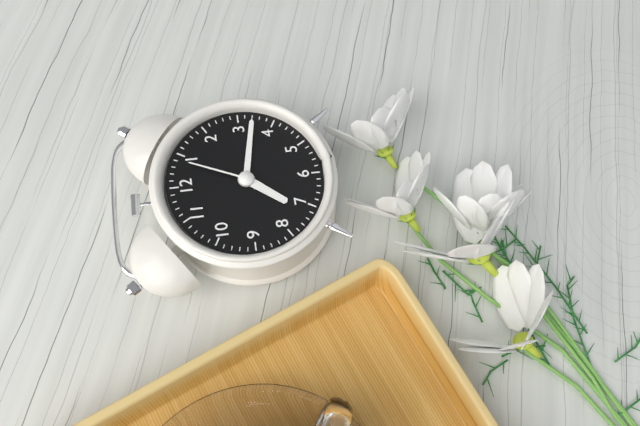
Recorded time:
{"hour": 7, "minute": 17, "second": 4}
